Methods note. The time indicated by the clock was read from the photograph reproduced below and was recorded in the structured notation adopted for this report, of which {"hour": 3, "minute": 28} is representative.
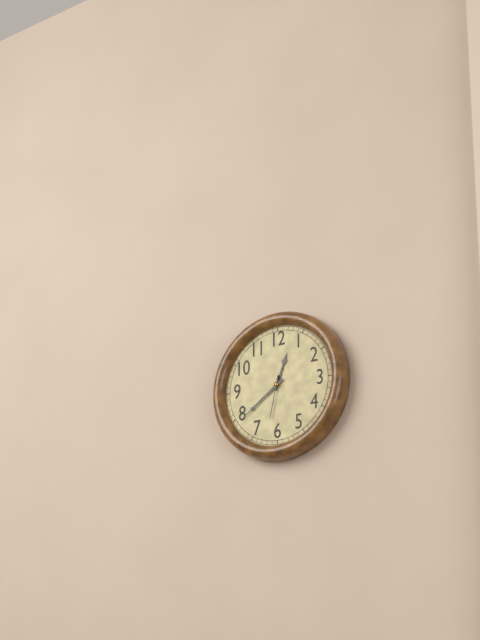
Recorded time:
{"hour": 12, "minute": 39}
